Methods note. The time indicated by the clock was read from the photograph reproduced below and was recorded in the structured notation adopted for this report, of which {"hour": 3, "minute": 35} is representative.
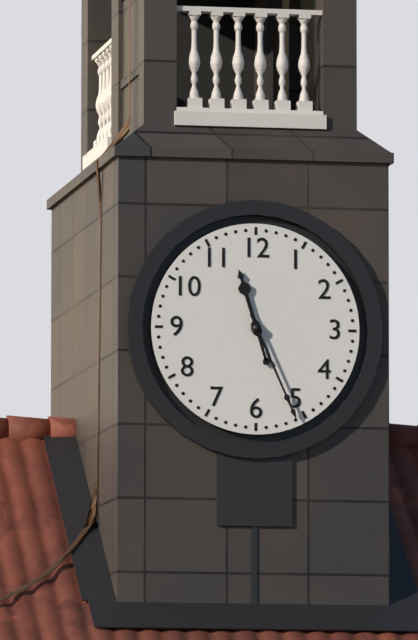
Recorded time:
{"hour": 11, "minute": 26}
